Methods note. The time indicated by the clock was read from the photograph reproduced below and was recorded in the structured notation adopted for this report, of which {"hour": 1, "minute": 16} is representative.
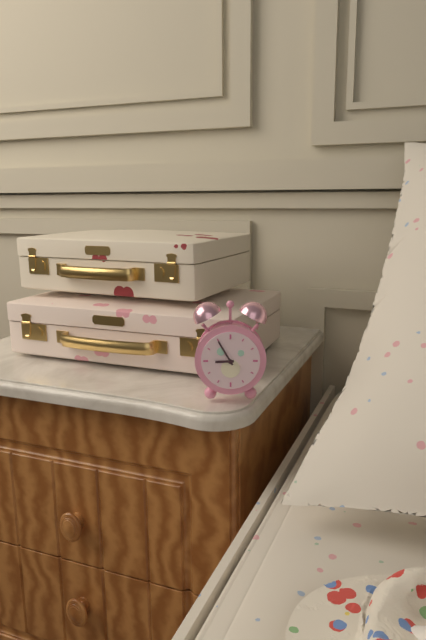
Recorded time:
{"hour": 8, "minute": 55}
